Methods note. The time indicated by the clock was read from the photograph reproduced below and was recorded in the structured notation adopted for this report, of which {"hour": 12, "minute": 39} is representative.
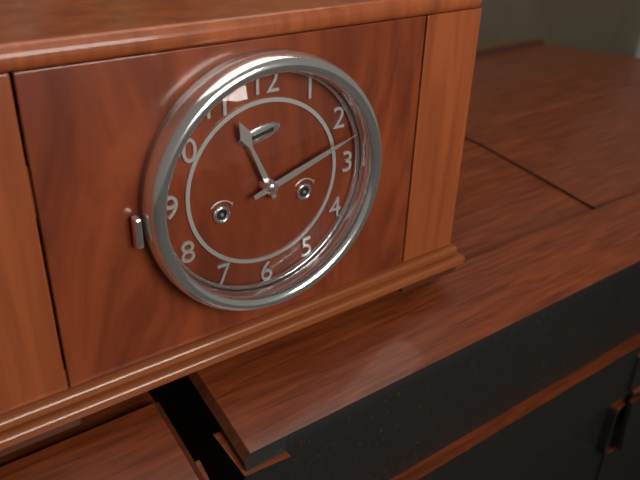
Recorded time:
{"hour": 11, "minute": 12}
